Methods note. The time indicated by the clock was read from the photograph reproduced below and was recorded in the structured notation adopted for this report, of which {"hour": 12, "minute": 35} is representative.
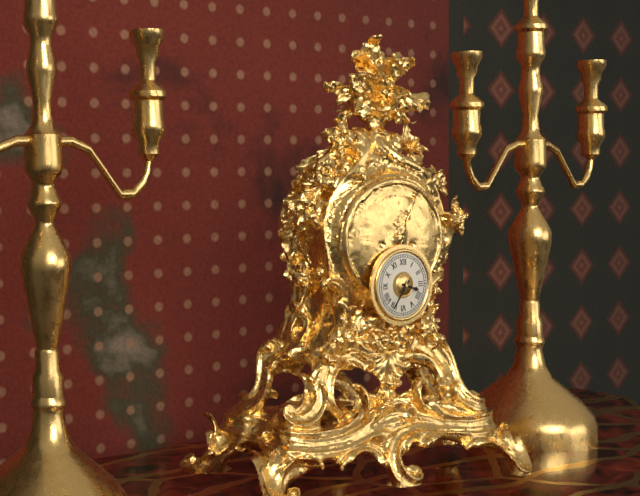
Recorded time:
{"hour": 3, "minute": 36}
